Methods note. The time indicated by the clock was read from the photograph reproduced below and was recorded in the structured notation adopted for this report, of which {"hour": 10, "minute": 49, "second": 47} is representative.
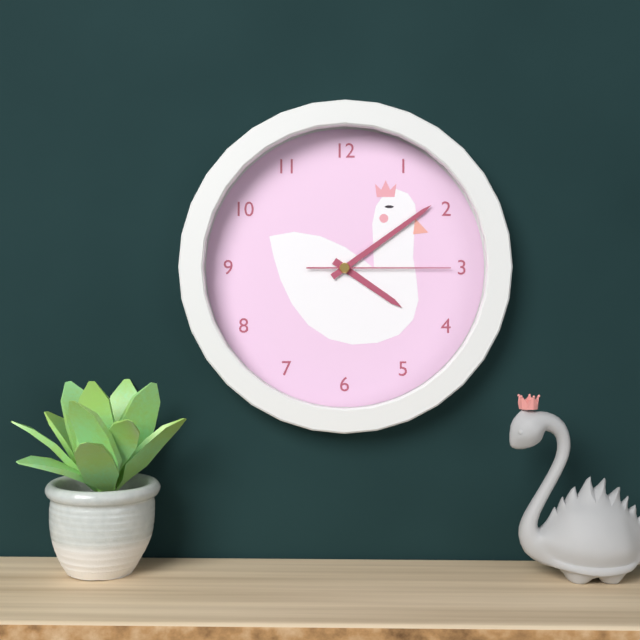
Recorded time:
{"hour": 4, "minute": 9, "second": 15}
